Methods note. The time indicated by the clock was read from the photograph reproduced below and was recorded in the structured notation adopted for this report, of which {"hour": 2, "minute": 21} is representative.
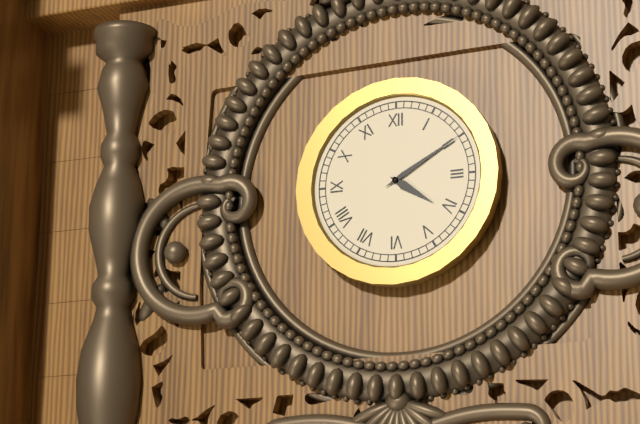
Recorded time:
{"hour": 4, "minute": 10}
